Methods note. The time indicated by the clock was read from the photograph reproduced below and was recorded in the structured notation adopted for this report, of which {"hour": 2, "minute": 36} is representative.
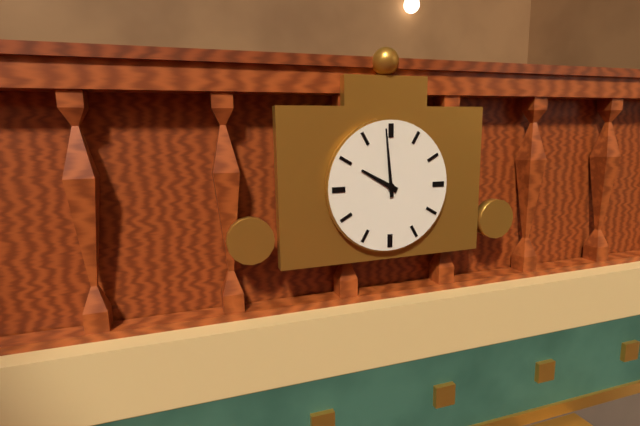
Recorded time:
{"hour": 9, "minute": 59}
